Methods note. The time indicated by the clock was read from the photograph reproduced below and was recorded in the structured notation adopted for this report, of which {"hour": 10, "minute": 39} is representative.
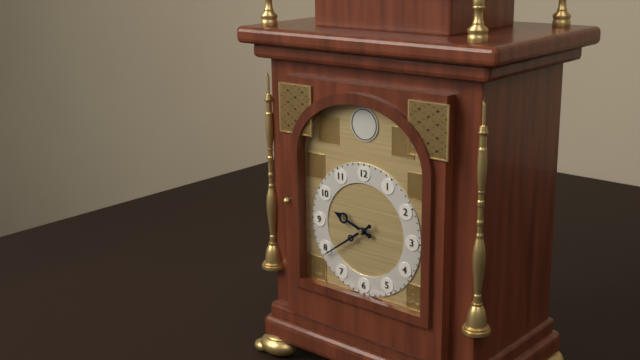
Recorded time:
{"hour": 9, "minute": 39}
